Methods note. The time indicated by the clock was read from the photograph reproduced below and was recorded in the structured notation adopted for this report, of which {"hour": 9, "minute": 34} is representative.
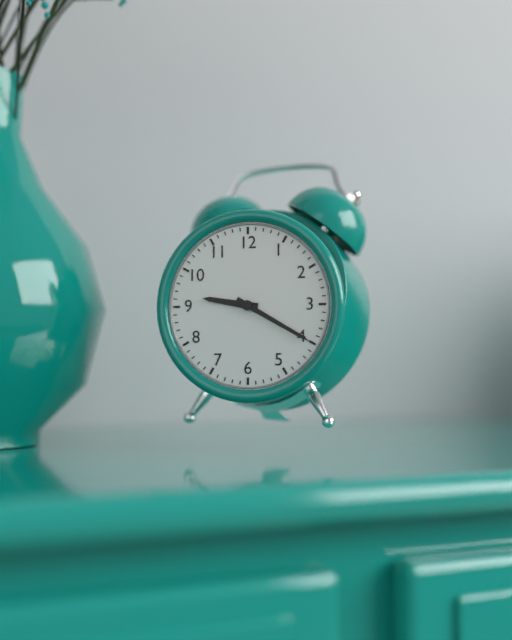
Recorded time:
{"hour": 9, "minute": 20}
